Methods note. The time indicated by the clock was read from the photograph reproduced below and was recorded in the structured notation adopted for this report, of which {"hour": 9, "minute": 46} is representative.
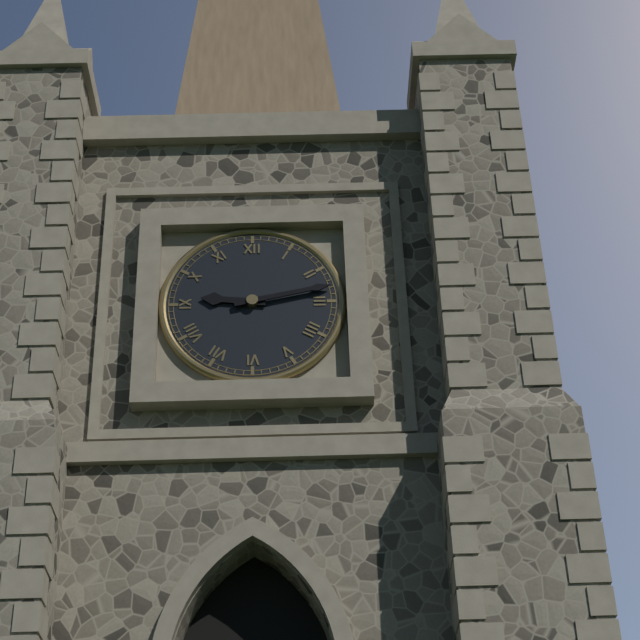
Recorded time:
{"hour": 9, "minute": 13}
